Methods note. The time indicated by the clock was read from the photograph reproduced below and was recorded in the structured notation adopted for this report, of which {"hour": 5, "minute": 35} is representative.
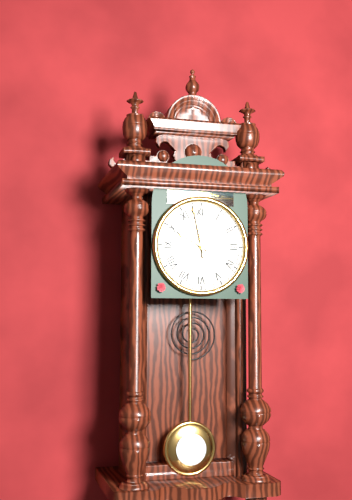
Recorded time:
{"hour": 9, "minute": 58}
